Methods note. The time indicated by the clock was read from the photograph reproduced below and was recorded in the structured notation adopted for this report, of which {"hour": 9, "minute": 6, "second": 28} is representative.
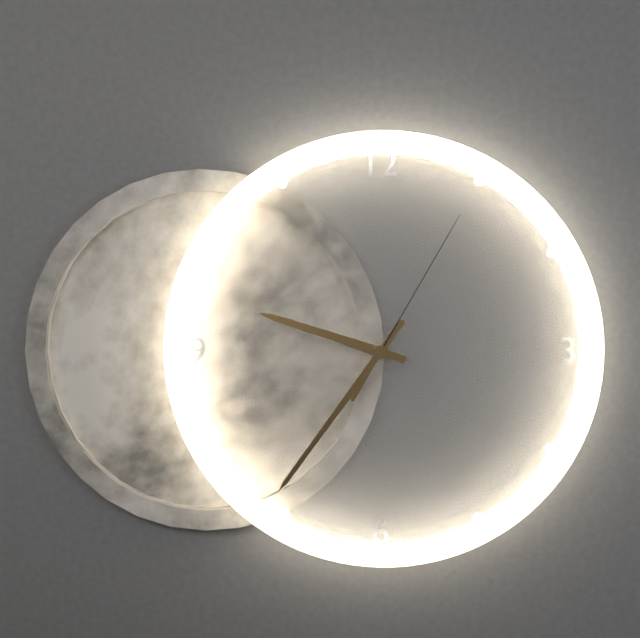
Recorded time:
{"hour": 9, "minute": 36, "second": 5}
